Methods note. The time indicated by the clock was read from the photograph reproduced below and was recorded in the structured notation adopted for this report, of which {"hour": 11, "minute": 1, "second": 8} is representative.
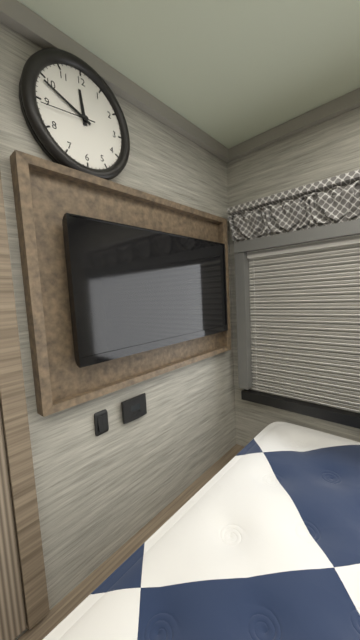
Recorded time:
{"hour": 11, "minute": 49, "second": 44}
